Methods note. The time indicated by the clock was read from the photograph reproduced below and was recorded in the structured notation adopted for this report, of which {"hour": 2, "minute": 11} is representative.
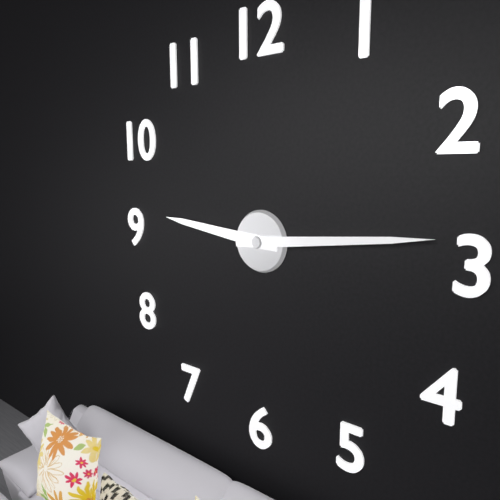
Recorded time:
{"hour": 9, "minute": 14}
